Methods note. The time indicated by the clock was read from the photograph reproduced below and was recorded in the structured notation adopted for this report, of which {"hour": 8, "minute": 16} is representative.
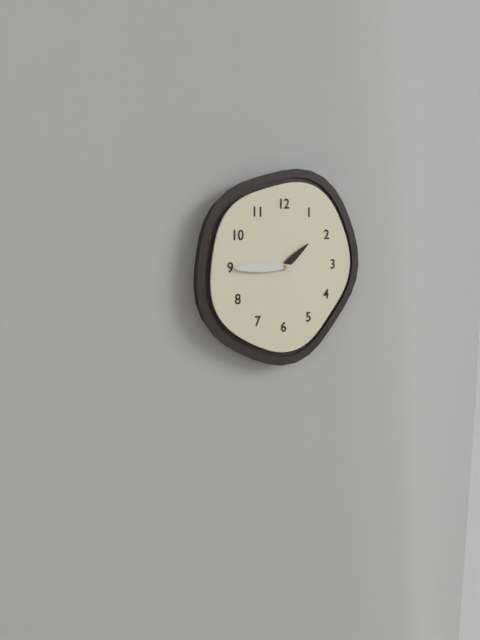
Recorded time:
{"hour": 1, "minute": 45}
